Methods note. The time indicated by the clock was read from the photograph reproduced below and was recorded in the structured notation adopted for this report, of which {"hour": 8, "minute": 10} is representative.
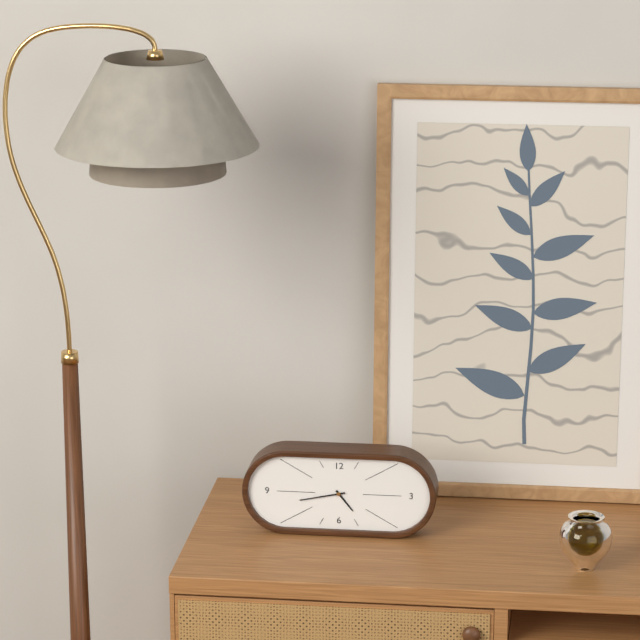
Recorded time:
{"hour": 4, "minute": 43}
